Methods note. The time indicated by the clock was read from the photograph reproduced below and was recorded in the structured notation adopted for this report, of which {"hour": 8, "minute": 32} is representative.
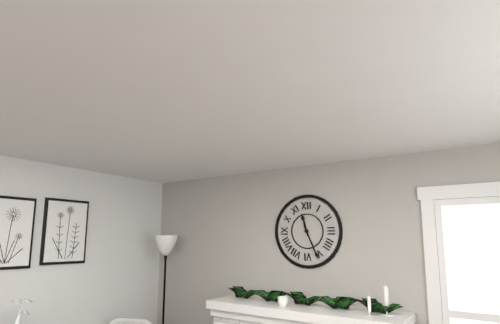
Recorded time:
{"hour": 11, "minute": 26}
